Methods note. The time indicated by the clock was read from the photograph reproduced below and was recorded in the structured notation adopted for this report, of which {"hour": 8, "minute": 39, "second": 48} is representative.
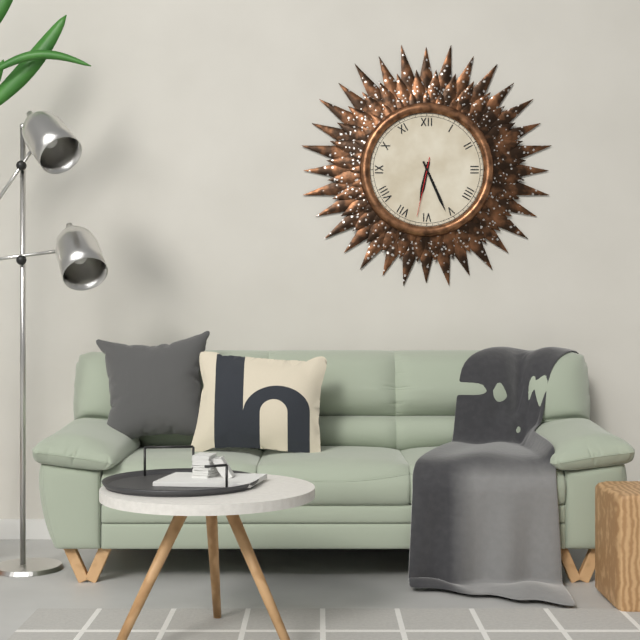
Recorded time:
{"hour": 6, "minute": 26, "second": 32}
